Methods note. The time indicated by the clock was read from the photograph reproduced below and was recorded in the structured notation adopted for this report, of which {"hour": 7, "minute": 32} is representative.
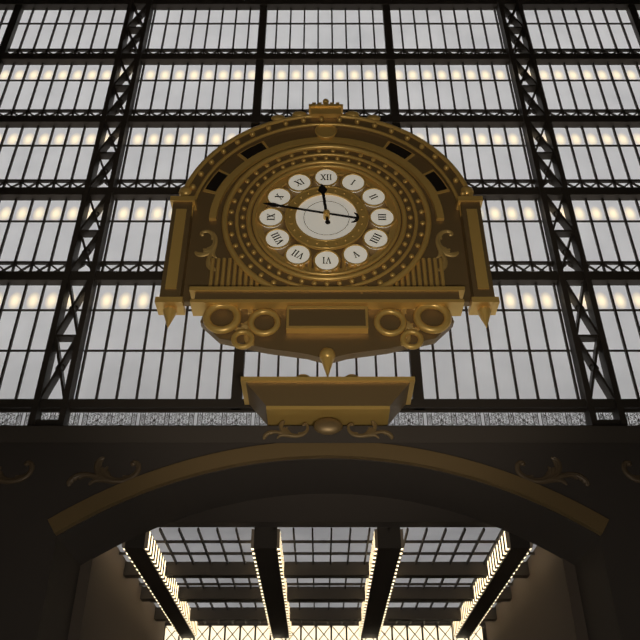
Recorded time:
{"hour": 11, "minute": 47}
